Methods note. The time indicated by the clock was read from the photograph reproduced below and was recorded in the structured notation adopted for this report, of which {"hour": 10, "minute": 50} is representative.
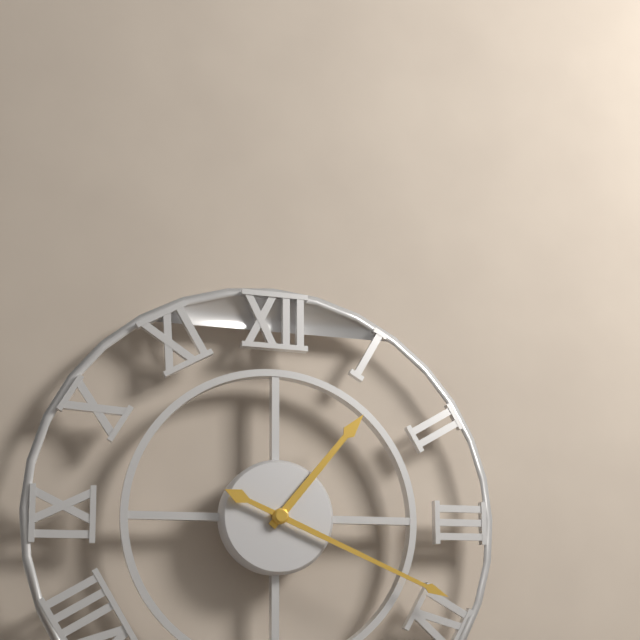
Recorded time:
{"hour": 1, "minute": 19}
